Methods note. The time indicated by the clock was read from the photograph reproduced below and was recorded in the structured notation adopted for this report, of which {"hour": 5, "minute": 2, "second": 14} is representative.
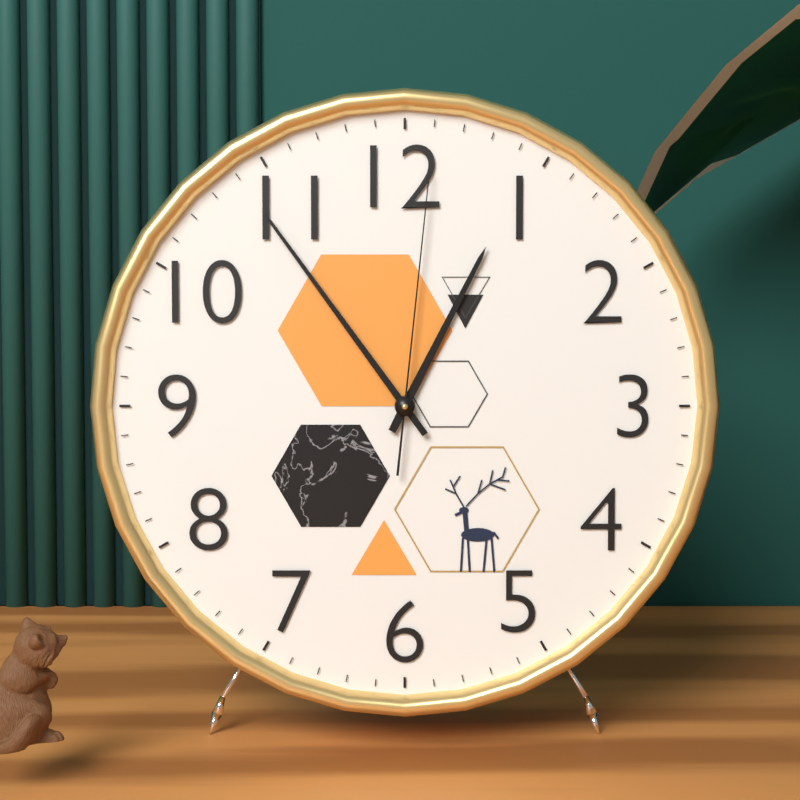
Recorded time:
{"hour": 12, "minute": 54, "second": 1}
